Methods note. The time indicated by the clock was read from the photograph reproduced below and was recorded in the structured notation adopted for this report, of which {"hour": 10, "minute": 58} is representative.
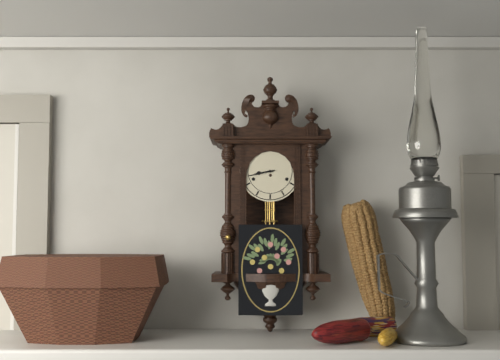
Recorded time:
{"hour": 8, "minute": 43}
